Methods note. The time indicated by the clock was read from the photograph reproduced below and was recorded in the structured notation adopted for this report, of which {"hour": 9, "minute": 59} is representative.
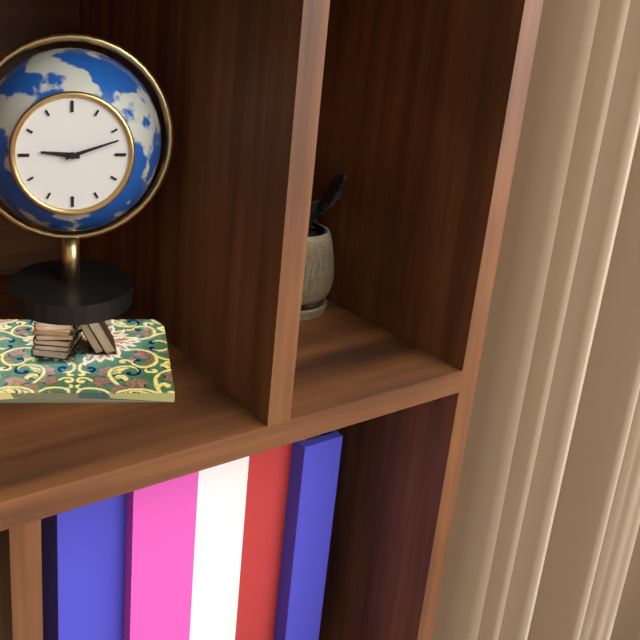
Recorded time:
{"hour": 9, "minute": 12}
